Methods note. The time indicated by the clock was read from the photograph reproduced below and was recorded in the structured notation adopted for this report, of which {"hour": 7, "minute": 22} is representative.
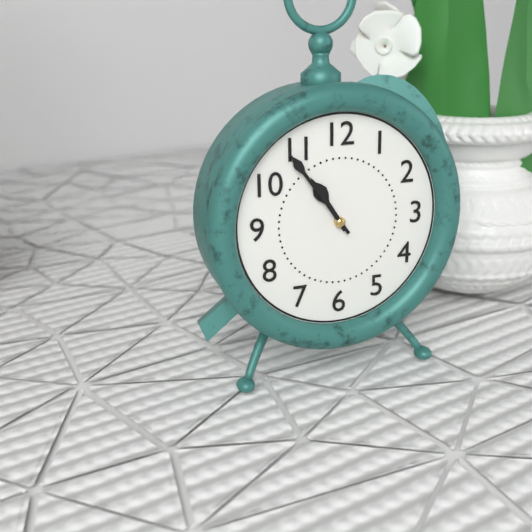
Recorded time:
{"hour": 10, "minute": 54}
